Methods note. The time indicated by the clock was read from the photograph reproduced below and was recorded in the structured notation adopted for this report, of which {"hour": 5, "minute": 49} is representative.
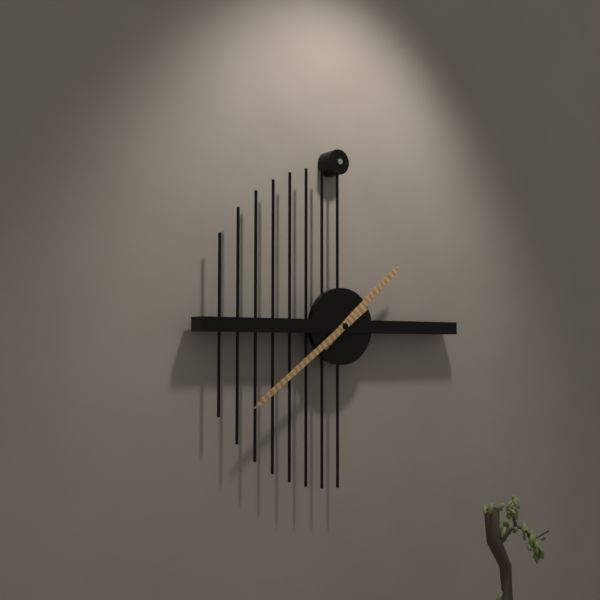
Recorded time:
{"hour": 1, "minute": 39}
